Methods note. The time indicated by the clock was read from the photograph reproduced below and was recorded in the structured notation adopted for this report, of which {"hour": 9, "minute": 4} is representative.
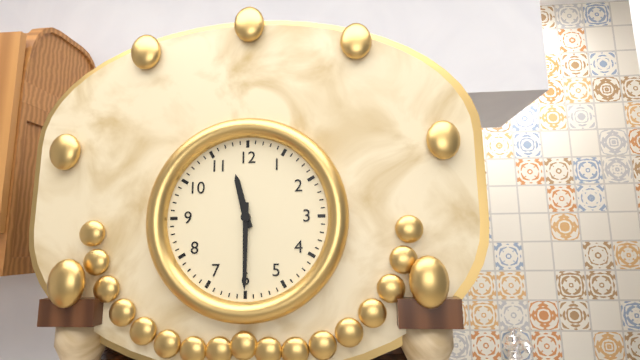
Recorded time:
{"hour": 11, "minute": 30}
